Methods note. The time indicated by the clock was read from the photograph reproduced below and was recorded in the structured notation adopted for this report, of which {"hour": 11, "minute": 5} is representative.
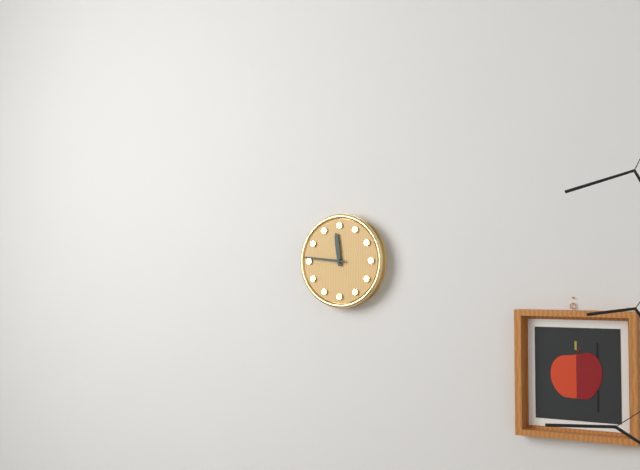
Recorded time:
{"hour": 11, "minute": 46}
